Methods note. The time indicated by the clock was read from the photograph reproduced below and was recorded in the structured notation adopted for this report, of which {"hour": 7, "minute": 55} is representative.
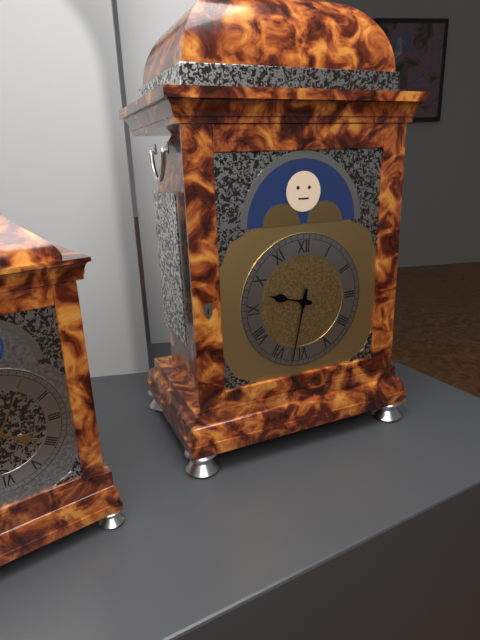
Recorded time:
{"hour": 9, "minute": 32}
